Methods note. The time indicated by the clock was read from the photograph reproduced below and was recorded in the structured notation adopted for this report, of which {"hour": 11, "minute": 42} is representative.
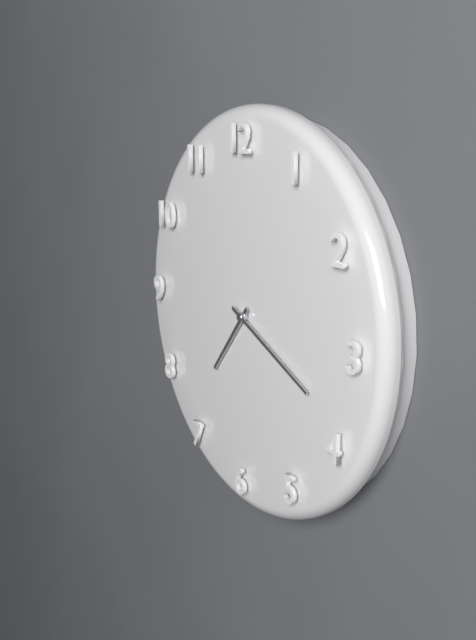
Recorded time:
{"hour": 7, "minute": 19}
